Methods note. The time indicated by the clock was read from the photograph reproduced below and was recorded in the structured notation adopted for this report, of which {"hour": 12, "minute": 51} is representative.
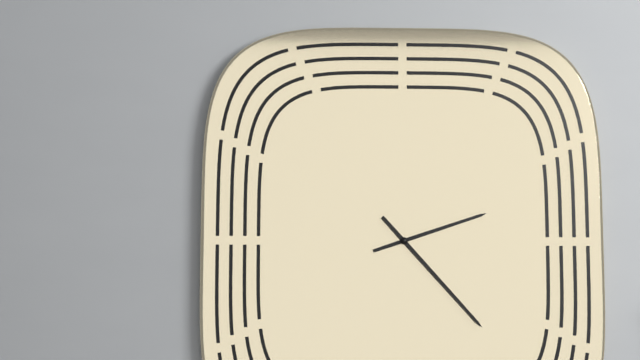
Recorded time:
{"hour": 2, "minute": 23}
